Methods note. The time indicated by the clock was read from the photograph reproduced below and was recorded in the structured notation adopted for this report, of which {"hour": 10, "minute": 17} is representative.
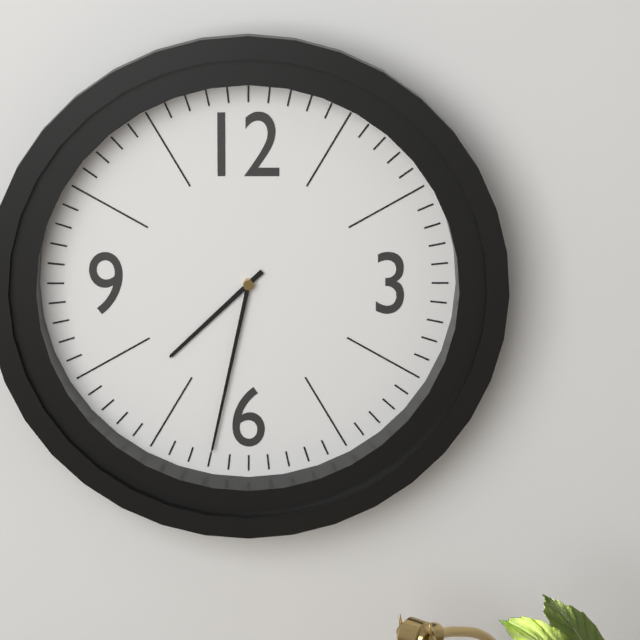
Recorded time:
{"hour": 7, "minute": 32}
